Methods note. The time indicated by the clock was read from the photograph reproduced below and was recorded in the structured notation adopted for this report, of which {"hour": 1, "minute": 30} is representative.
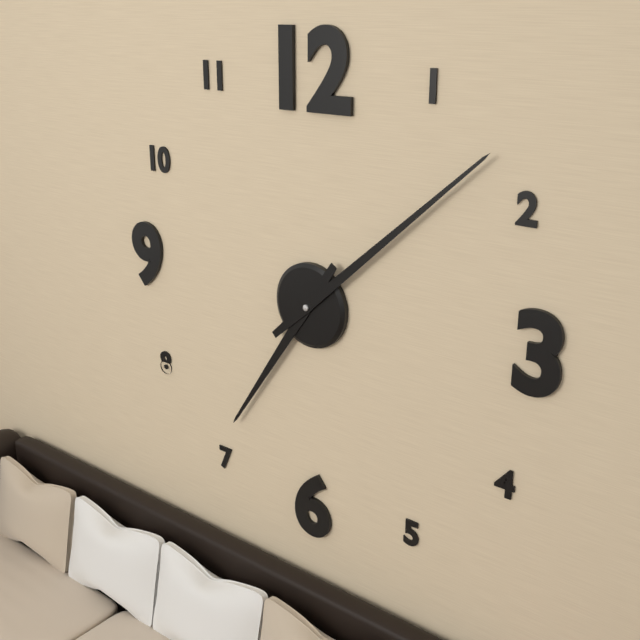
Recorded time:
{"hour": 7, "minute": 8}
